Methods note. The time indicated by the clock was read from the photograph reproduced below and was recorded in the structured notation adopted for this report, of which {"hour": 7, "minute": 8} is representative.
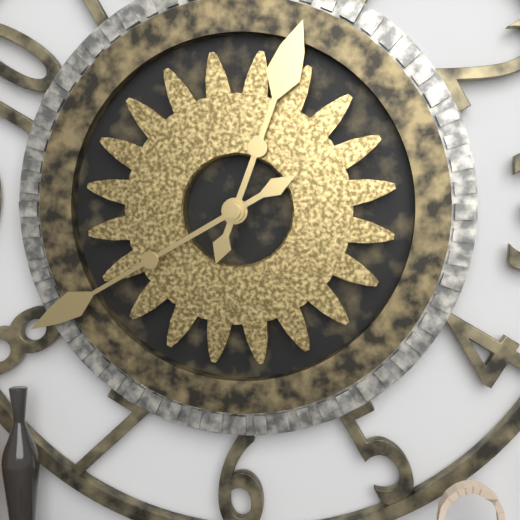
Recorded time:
{"hour": 12, "minute": 40}
